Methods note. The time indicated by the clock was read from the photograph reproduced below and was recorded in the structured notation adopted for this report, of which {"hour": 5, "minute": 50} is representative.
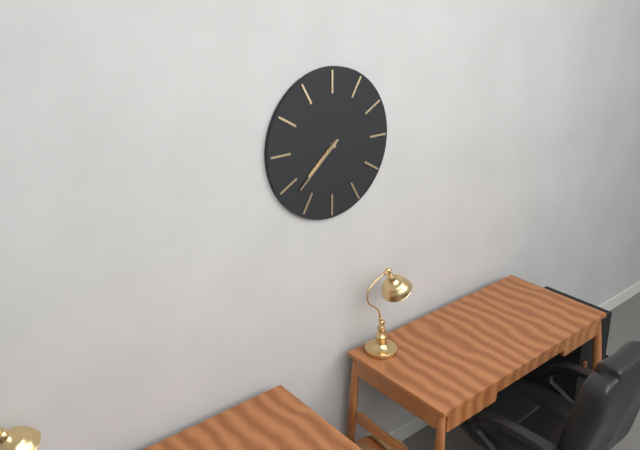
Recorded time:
{"hour": 7, "minute": 38}
